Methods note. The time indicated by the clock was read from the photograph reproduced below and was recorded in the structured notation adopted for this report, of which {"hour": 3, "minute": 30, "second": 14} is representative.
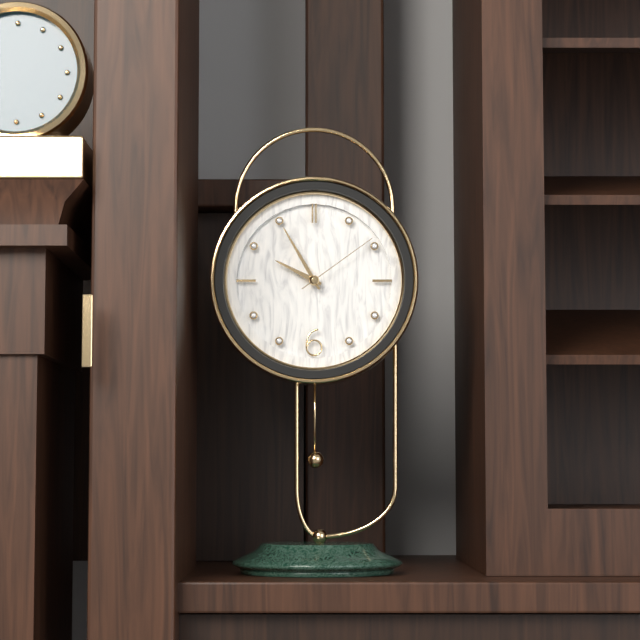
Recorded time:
{"hour": 9, "minute": 55, "second": 9}
